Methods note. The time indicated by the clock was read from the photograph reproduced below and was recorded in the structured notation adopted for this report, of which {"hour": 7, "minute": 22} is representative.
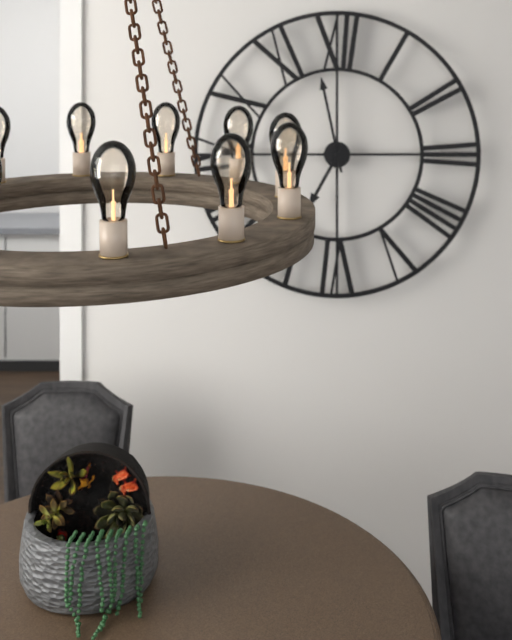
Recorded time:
{"hour": 6, "minute": 58}
